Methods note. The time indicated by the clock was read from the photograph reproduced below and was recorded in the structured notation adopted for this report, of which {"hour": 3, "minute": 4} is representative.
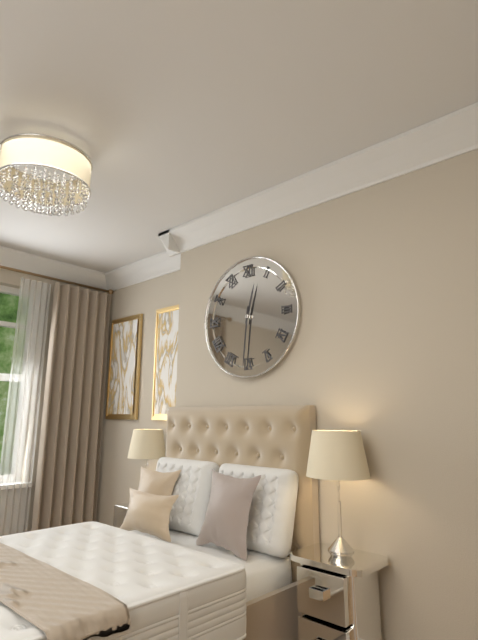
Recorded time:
{"hour": 12, "minute": 31}
